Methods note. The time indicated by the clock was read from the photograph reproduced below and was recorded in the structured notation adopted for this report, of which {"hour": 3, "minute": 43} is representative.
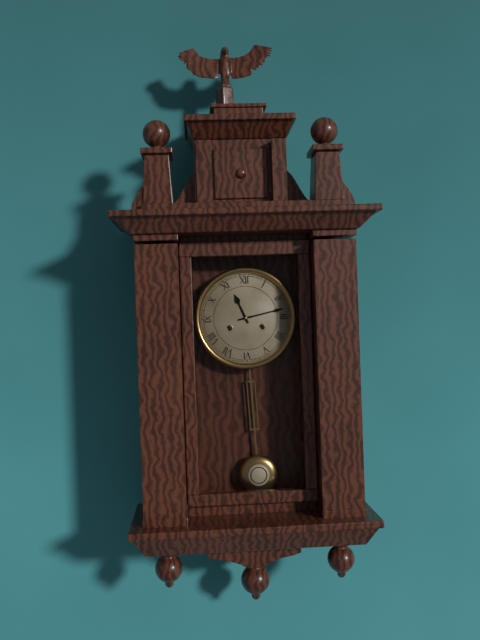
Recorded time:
{"hour": 11, "minute": 13}
